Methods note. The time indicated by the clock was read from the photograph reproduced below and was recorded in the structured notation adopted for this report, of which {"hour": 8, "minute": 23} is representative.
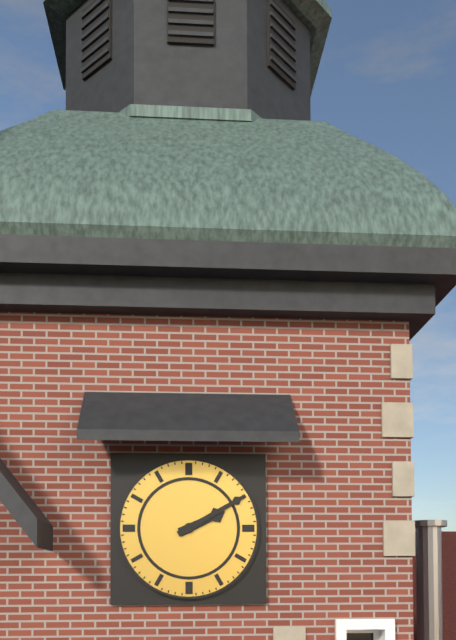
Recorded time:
{"hour": 2, "minute": 10}
